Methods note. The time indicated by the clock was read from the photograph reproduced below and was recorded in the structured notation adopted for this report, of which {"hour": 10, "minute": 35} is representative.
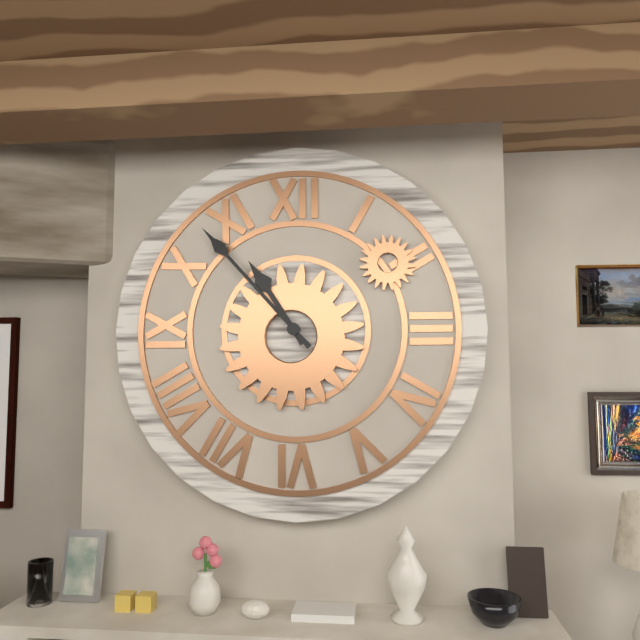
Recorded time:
{"hour": 10, "minute": 53}
